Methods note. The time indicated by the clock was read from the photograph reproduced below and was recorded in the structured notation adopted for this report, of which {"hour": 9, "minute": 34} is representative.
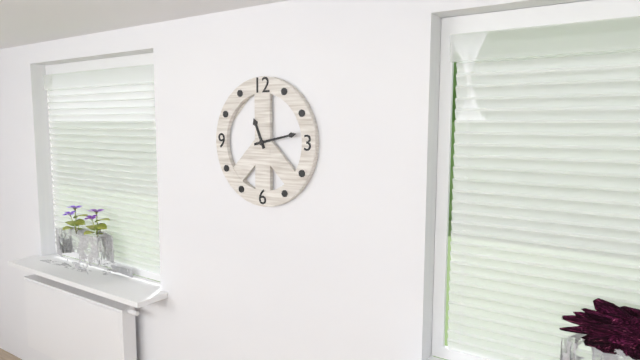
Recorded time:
{"hour": 11, "minute": 13}
